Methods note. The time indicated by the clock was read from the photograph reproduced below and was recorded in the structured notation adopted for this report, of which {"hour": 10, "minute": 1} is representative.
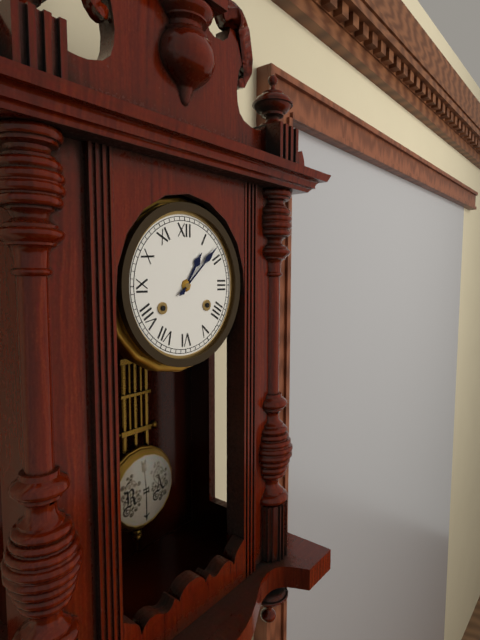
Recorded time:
{"hour": 1, "minute": 8}
